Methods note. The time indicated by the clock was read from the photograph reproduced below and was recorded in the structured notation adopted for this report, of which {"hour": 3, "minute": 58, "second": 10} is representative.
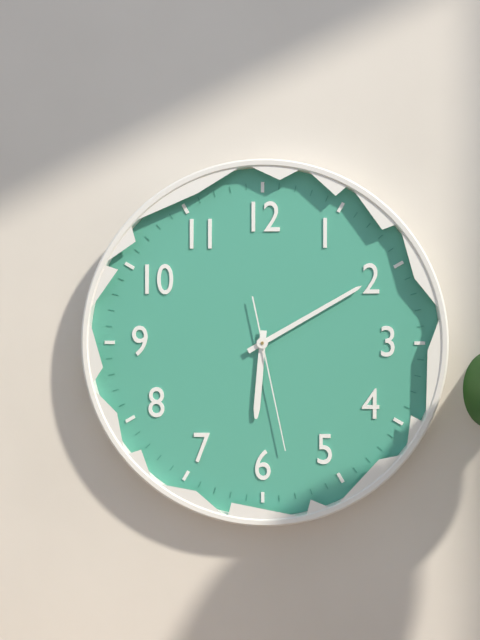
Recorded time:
{"hour": 6, "minute": 10, "second": 28}
